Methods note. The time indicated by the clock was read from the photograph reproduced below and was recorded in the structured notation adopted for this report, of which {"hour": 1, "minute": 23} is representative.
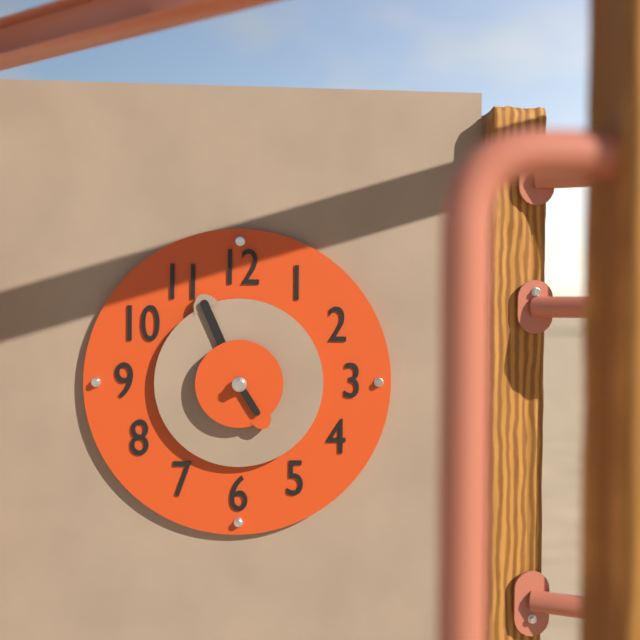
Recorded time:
{"hour": 4, "minute": 56}
